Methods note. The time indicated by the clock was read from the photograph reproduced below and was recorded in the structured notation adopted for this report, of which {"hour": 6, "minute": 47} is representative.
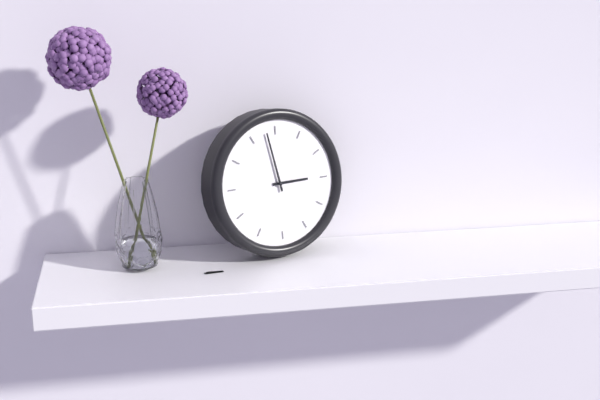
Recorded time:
{"hour": 2, "minute": 58}
